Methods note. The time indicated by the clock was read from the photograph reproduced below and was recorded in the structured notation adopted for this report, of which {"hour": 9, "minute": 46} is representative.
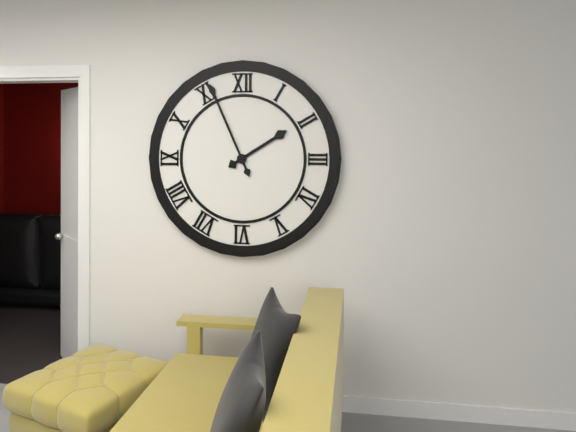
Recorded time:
{"hour": 1, "minute": 56}
